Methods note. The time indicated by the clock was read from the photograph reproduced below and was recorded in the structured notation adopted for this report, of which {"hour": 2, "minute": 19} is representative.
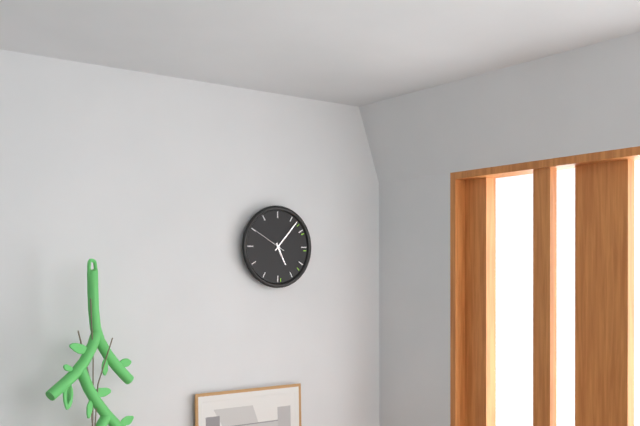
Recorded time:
{"hour": 5, "minute": 7}
